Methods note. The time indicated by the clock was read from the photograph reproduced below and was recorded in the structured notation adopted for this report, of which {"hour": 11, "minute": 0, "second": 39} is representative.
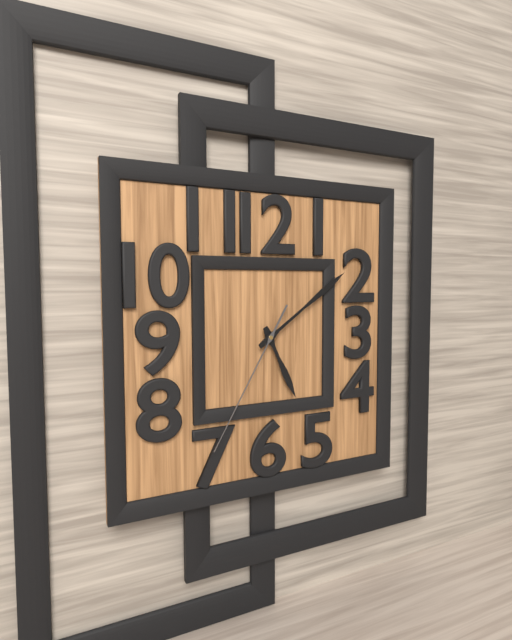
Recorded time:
{"hour": 5, "minute": 9, "second": 35}
